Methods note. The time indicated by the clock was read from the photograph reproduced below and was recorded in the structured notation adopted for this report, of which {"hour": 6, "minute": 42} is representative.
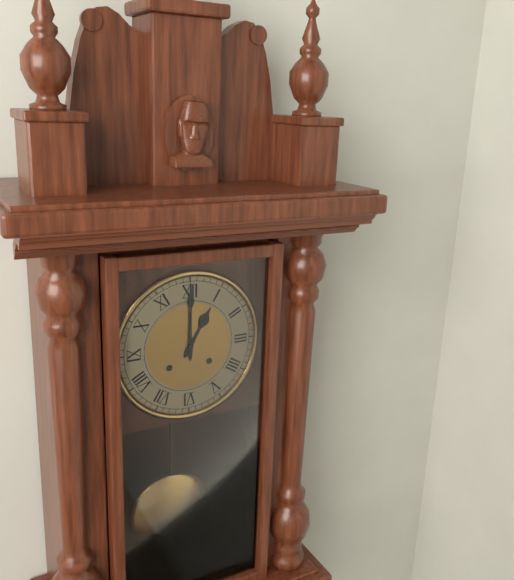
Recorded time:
{"hour": 1, "minute": 0}
